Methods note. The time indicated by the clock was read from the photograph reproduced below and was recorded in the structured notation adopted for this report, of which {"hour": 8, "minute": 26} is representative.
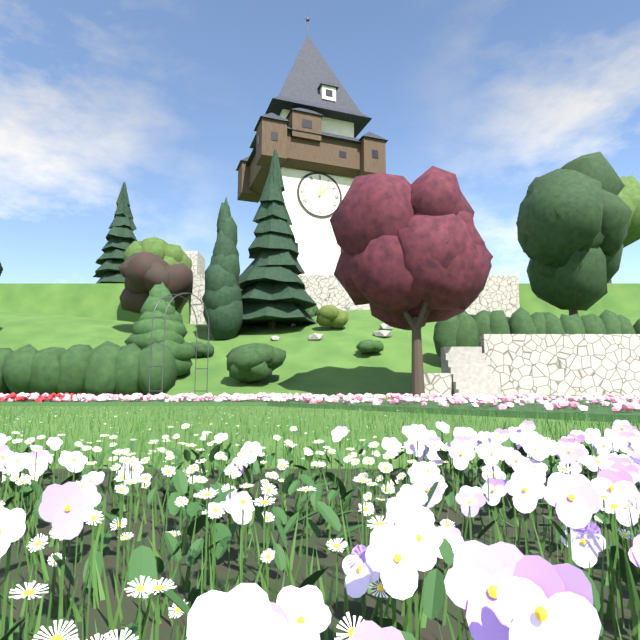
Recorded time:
{"hour": 12, "minute": 7}
